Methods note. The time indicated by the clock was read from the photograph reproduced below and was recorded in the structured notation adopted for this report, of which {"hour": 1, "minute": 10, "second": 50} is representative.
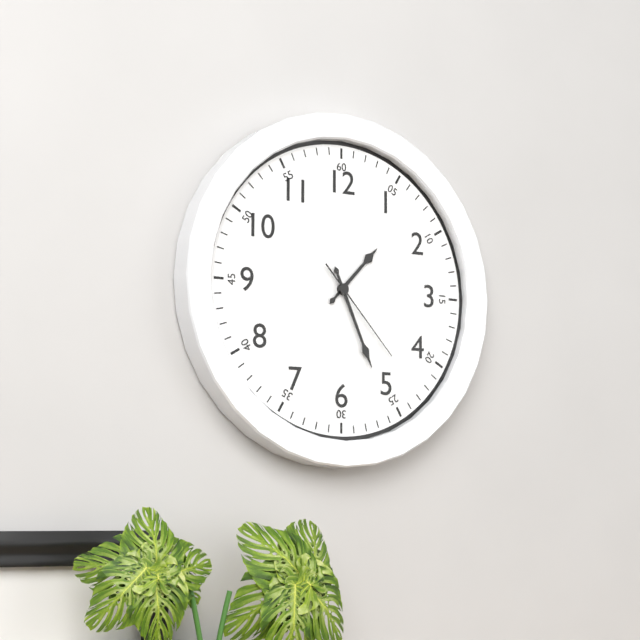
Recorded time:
{"hour": 1, "minute": 26, "second": 23}
